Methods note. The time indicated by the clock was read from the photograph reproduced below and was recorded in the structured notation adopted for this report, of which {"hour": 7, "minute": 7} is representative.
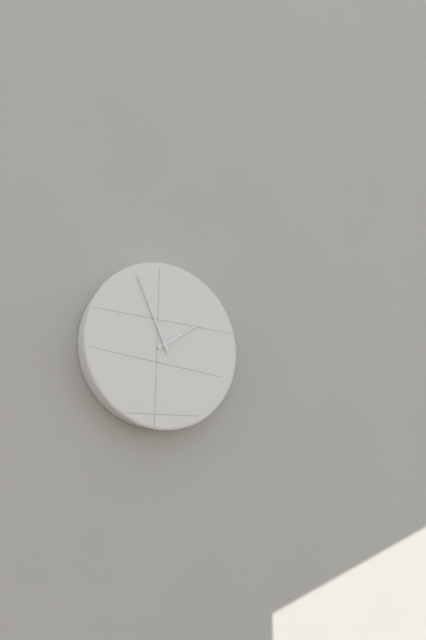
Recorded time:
{"hour": 1, "minute": 56}
